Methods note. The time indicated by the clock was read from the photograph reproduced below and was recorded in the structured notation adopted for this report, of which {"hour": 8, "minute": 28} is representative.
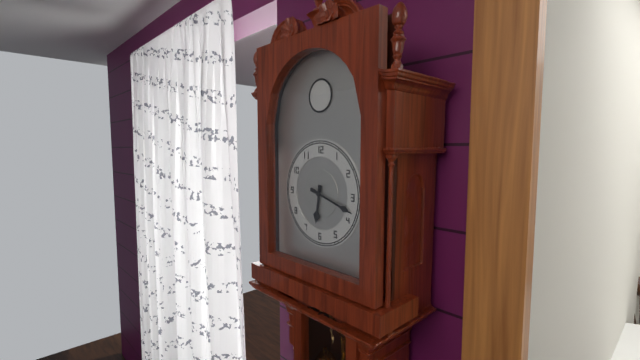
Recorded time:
{"hour": 6, "minute": 18}
